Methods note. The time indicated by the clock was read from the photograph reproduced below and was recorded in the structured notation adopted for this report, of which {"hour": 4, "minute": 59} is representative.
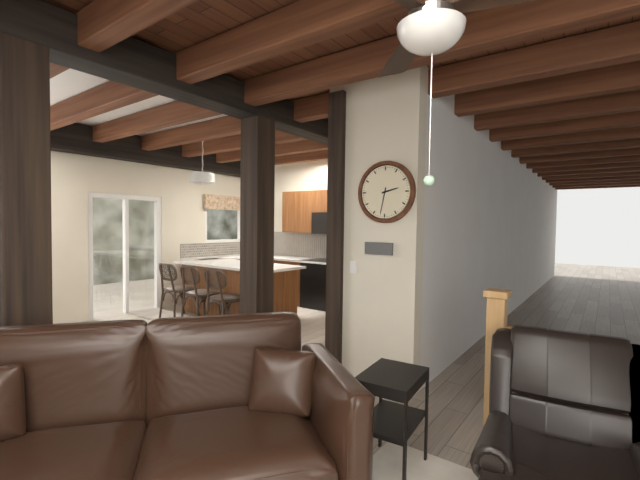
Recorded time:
{"hour": 2, "minute": 32}
